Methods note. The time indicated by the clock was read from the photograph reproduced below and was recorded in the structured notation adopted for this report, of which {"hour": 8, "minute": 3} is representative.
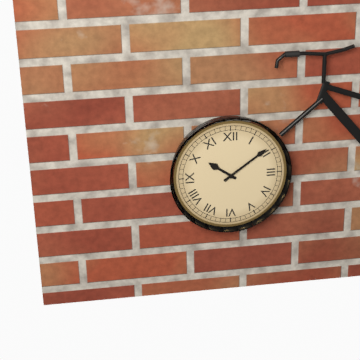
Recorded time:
{"hour": 10, "minute": 9}
